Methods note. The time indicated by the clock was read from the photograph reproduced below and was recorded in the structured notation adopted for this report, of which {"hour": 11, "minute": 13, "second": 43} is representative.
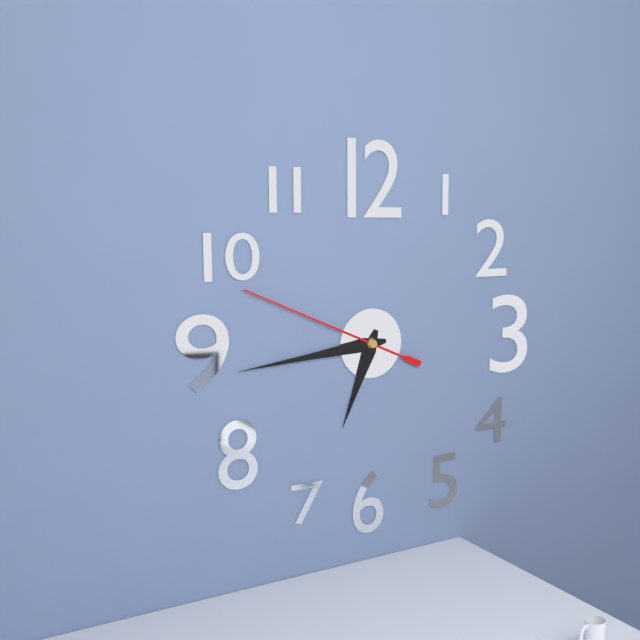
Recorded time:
{"hour": 6, "minute": 44, "second": 49}
